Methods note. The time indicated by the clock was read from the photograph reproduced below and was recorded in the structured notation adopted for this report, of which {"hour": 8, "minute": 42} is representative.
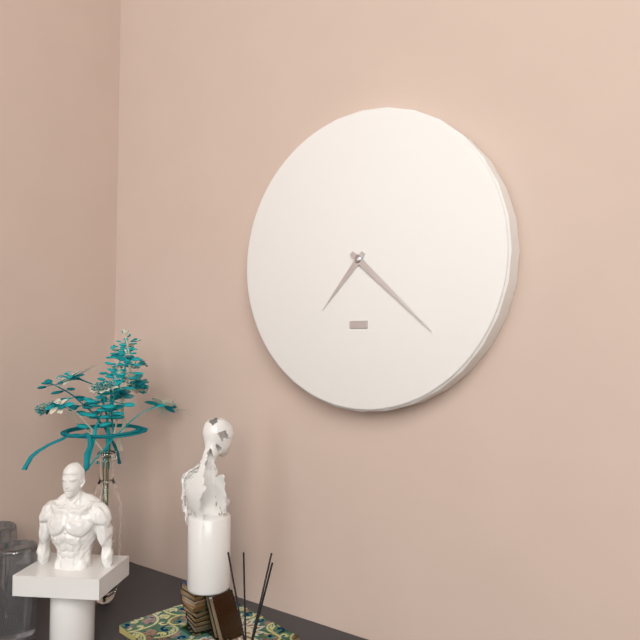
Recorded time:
{"hour": 7, "minute": 22}
